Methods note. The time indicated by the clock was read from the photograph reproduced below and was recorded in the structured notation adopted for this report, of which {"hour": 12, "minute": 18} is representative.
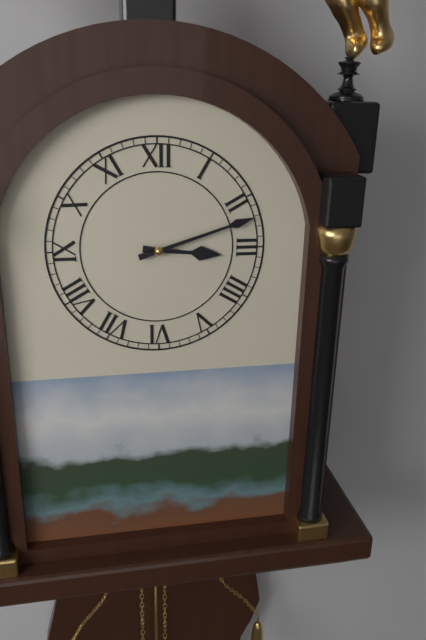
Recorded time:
{"hour": 3, "minute": 12}
